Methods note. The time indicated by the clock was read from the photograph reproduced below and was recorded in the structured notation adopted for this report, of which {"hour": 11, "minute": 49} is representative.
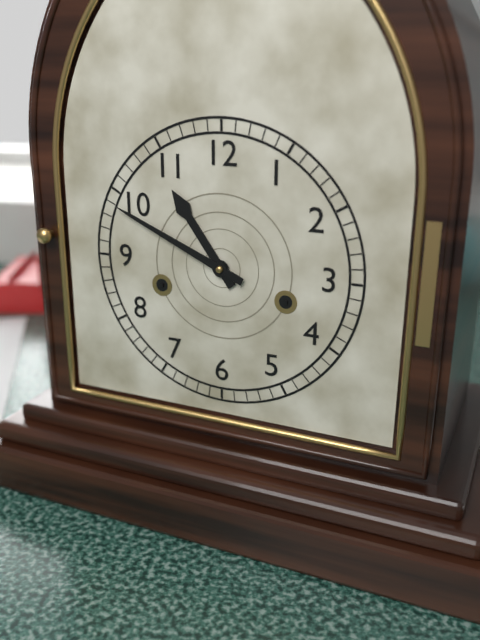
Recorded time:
{"hour": 10, "minute": 49}
